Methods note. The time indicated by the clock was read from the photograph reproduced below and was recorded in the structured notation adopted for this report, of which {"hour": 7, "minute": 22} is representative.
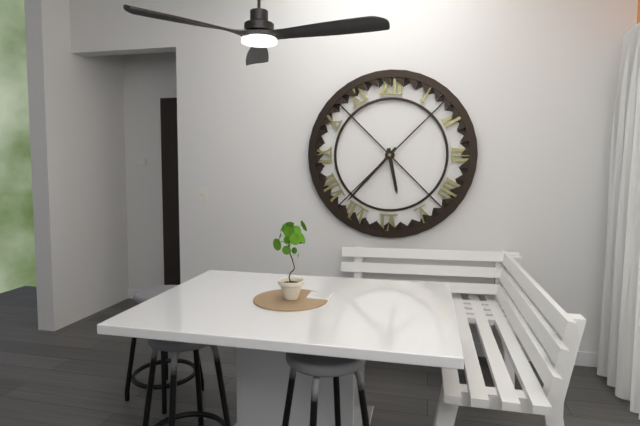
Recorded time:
{"hour": 5, "minute": 37}
